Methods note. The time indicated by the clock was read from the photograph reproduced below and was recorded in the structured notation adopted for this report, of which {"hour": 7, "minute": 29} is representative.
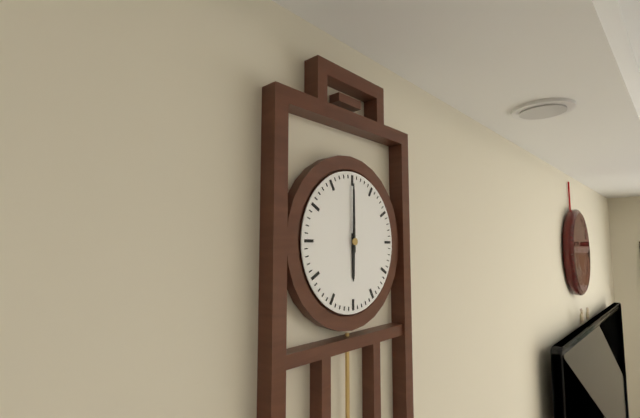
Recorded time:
{"hour": 6, "minute": 0}
